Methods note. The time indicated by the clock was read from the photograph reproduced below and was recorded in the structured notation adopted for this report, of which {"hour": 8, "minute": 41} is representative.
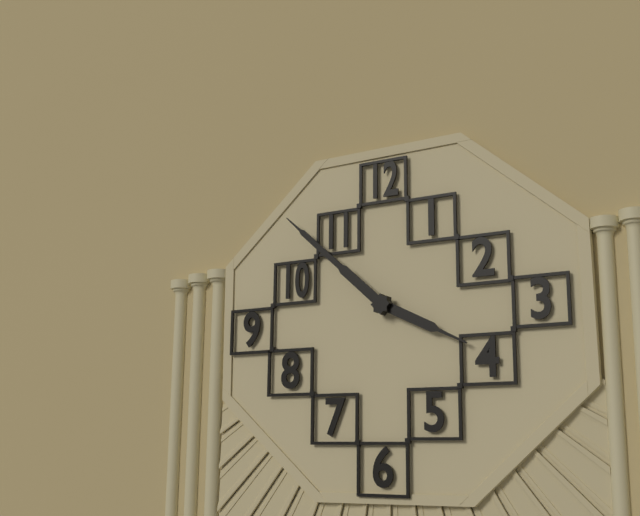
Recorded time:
{"hour": 3, "minute": 52}
